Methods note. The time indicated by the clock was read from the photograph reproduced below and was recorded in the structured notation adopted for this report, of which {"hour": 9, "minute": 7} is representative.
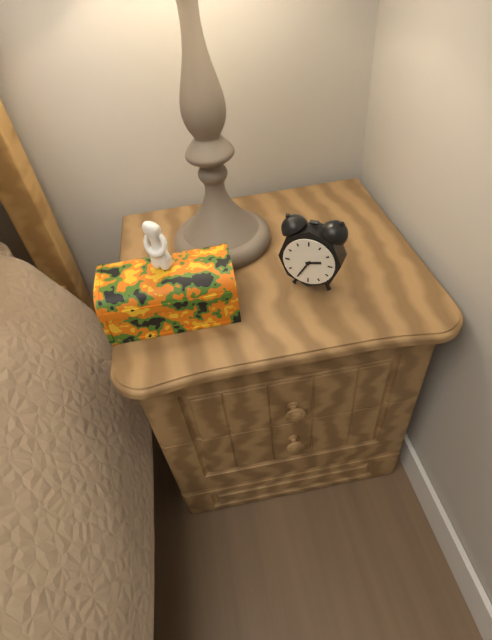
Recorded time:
{"hour": 2, "minute": 35}
